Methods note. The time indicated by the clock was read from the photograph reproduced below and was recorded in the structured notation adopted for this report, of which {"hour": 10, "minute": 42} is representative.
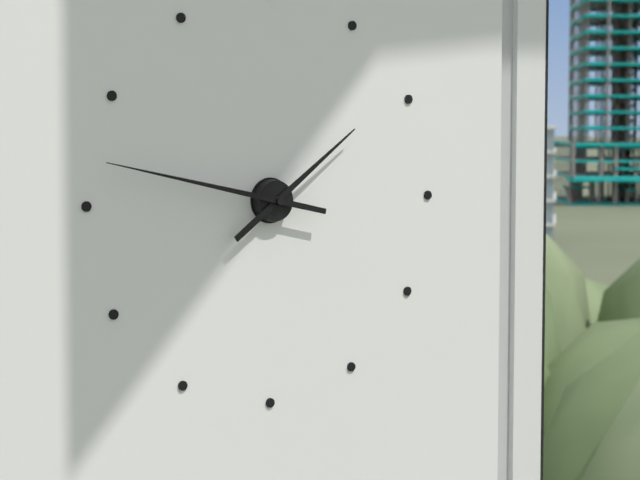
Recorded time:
{"hour": 1, "minute": 47}
